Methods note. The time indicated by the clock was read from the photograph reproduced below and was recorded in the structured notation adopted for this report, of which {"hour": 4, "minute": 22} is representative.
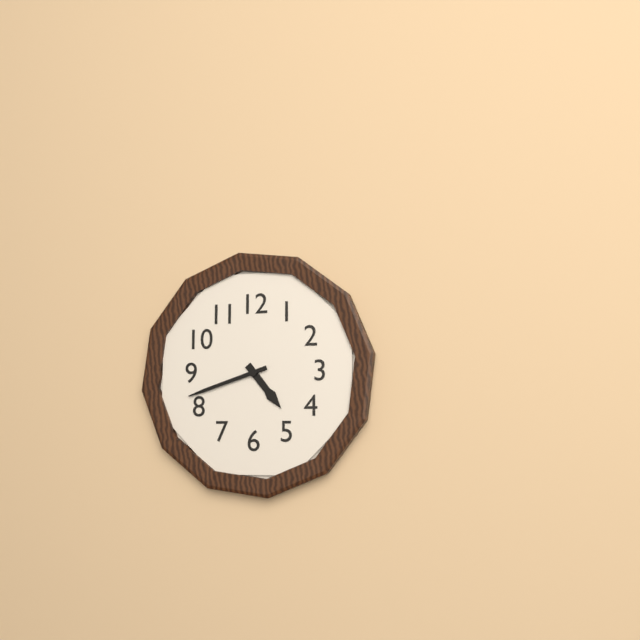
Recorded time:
{"hour": 4, "minute": 42}
